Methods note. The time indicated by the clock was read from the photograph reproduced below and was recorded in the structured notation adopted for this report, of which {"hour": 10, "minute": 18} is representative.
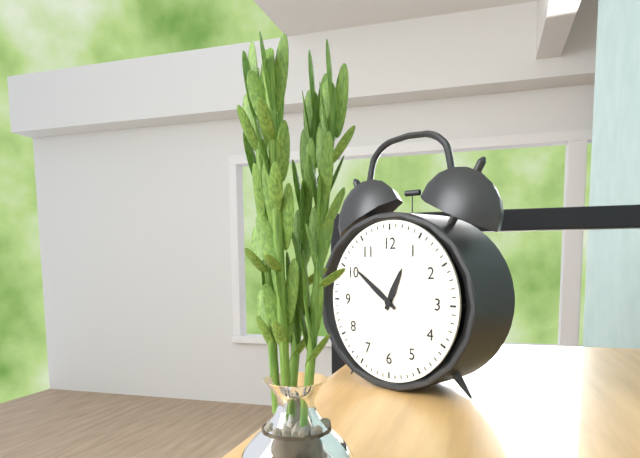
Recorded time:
{"hour": 12, "minute": 51}
